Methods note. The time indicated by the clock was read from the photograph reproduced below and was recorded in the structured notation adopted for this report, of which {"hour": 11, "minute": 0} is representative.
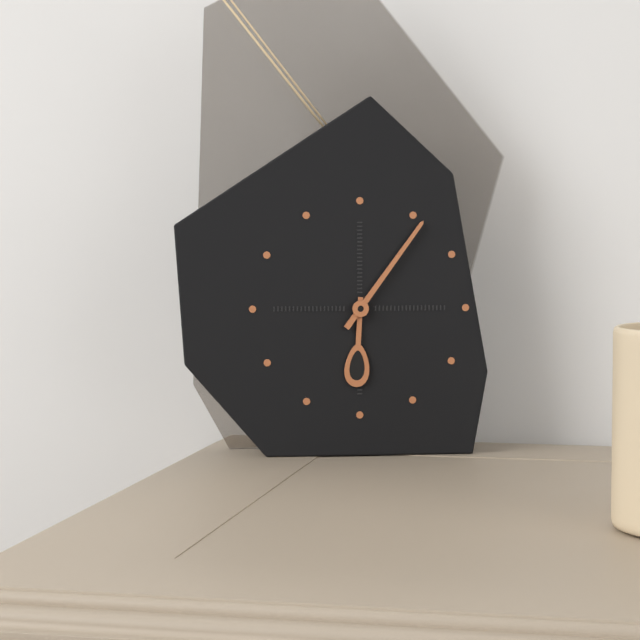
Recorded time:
{"hour": 6, "minute": 6}
